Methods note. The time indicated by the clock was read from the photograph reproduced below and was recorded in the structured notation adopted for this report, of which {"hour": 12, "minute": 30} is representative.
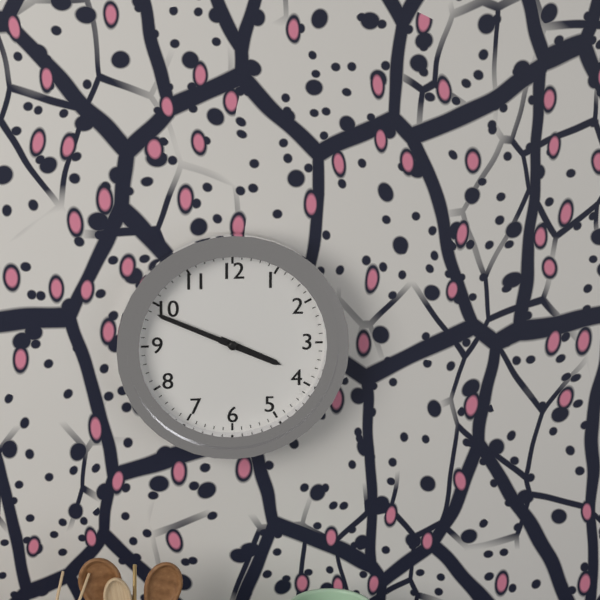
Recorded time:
{"hour": 3, "minute": 49}
